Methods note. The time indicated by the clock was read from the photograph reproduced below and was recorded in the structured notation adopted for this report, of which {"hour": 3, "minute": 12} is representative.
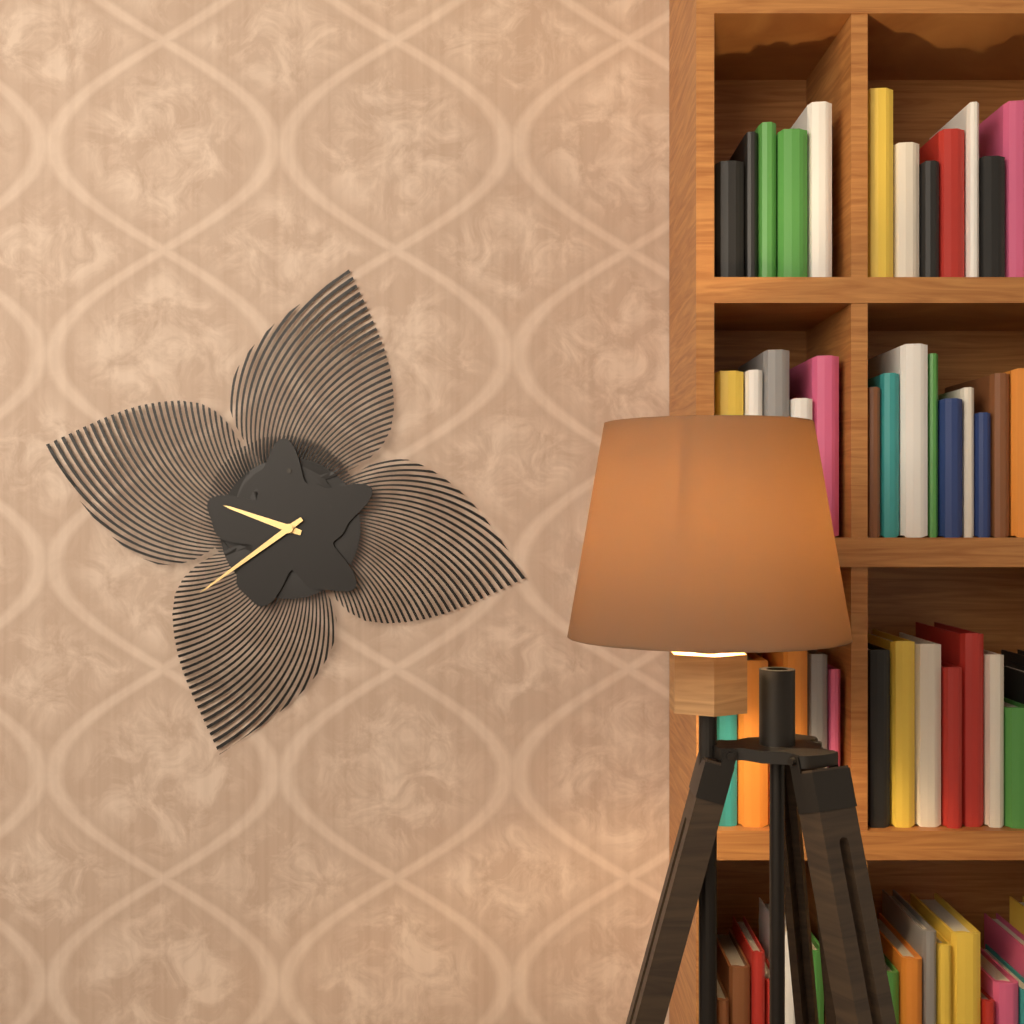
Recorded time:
{"hour": 9, "minute": 39}
